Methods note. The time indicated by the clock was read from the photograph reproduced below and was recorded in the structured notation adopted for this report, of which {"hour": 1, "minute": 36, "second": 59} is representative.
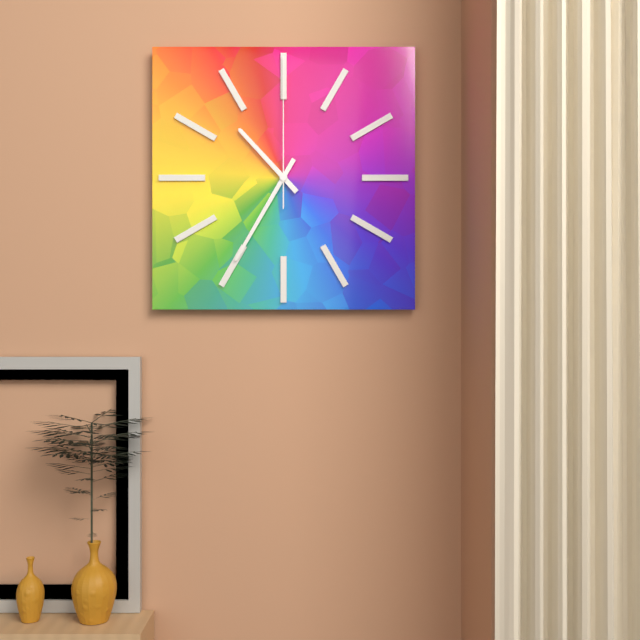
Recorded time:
{"hour": 10, "minute": 35, "second": 0}
